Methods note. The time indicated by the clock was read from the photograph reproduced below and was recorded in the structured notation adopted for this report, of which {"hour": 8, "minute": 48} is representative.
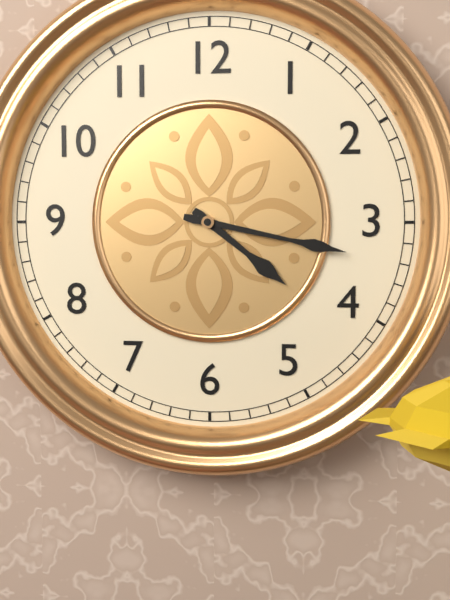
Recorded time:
{"hour": 4, "minute": 17}
